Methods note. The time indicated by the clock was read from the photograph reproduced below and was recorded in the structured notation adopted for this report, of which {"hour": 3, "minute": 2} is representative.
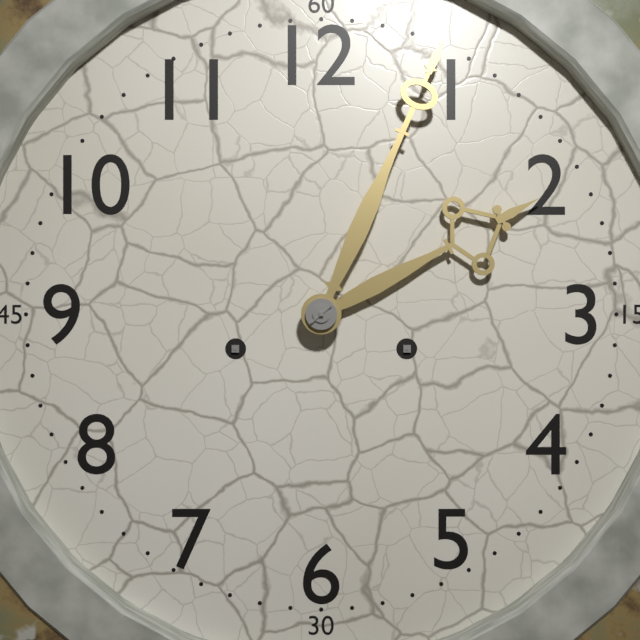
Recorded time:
{"hour": 2, "minute": 4}
